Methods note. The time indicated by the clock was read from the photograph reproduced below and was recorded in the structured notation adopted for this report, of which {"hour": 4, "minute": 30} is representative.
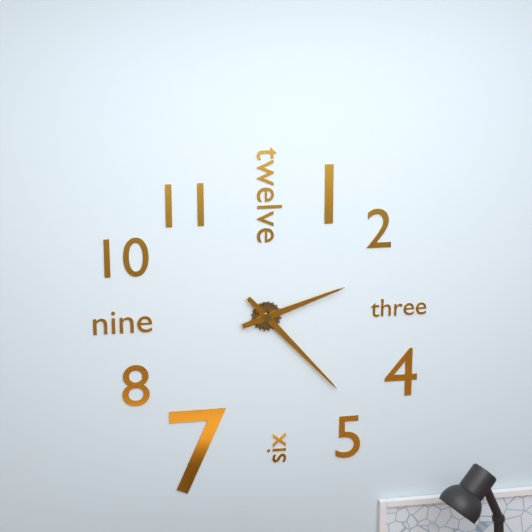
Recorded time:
{"hour": 2, "minute": 23}
